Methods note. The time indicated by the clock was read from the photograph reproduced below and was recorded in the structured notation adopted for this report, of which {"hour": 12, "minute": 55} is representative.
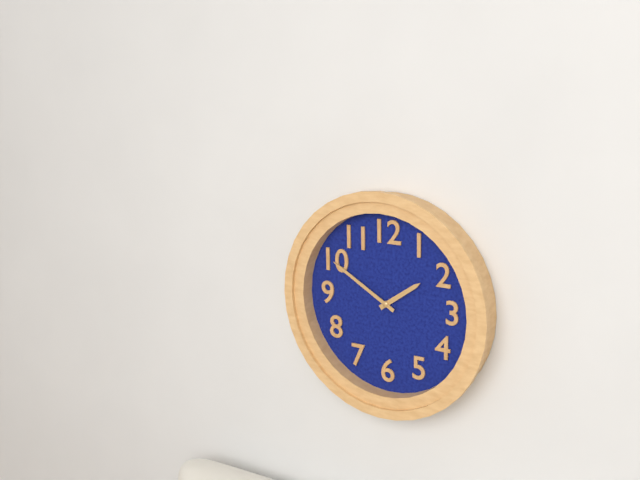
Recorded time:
{"hour": 1, "minute": 50}
